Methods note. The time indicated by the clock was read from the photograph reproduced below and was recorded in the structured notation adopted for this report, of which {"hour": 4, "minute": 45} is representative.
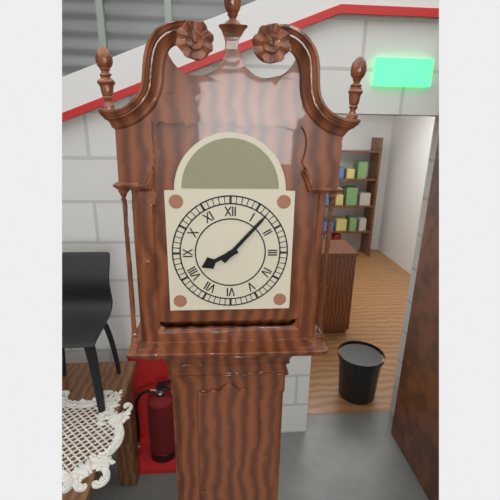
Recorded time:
{"hour": 8, "minute": 7}
